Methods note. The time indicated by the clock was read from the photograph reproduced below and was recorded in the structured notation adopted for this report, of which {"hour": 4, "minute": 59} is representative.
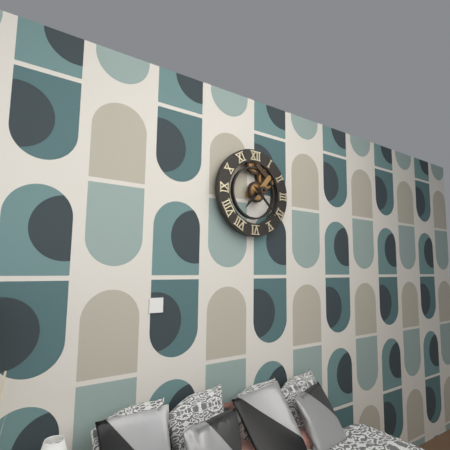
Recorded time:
{"hour": 7, "minute": 22}
